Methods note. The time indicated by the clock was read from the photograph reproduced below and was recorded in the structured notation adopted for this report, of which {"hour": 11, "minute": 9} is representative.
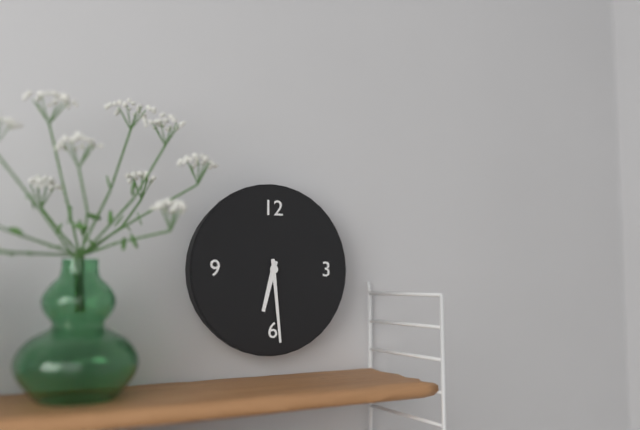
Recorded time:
{"hour": 6, "minute": 29}
